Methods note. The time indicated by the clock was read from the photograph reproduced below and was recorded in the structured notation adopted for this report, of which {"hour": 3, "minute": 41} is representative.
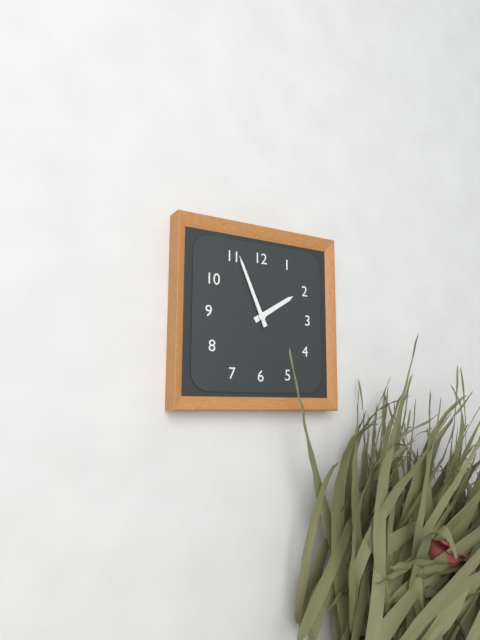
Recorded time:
{"hour": 1, "minute": 56}
